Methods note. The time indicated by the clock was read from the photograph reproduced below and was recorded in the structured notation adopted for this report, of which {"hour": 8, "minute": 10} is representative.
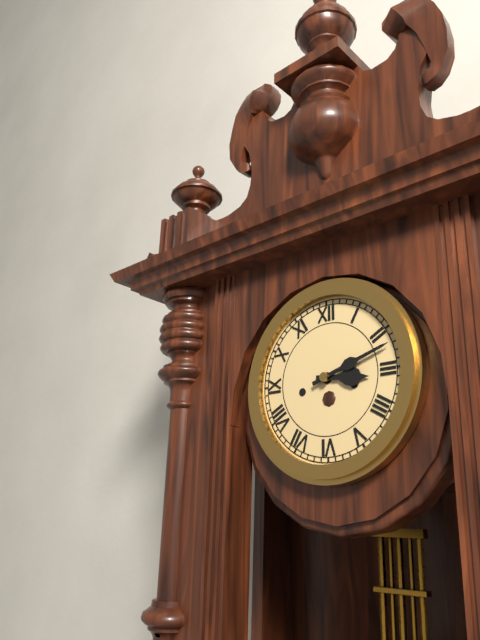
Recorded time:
{"hour": 3, "minute": 12}
